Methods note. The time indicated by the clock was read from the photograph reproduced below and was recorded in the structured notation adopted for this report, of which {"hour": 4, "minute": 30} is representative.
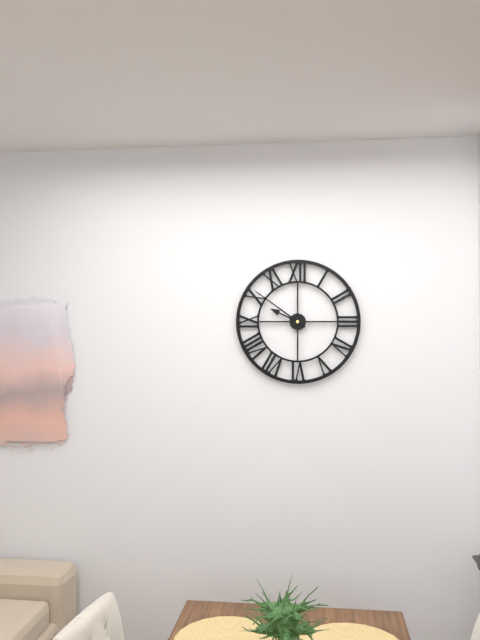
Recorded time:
{"hour": 9, "minute": 51}
